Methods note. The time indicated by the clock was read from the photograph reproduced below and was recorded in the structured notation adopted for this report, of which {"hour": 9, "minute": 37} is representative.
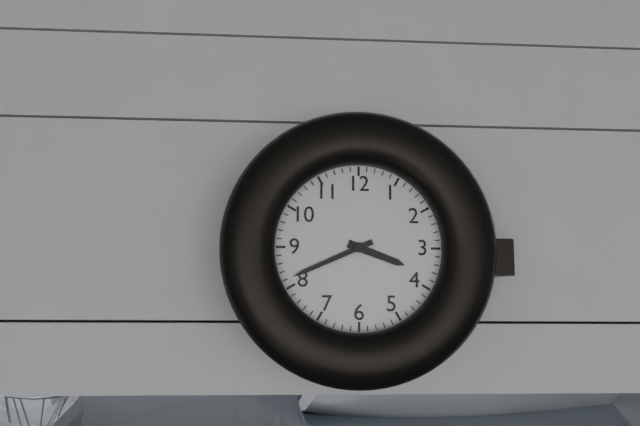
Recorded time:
{"hour": 3, "minute": 41}
